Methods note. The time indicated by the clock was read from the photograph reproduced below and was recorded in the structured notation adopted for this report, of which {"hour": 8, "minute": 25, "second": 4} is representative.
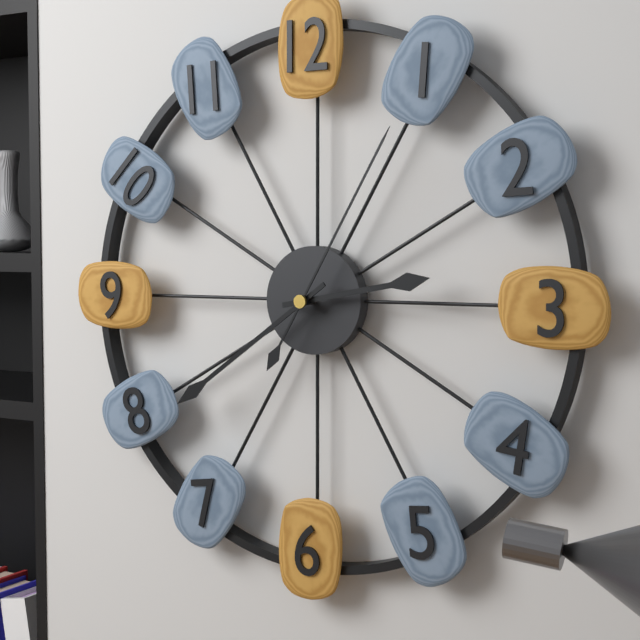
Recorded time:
{"hour": 2, "minute": 39, "second": 5}
